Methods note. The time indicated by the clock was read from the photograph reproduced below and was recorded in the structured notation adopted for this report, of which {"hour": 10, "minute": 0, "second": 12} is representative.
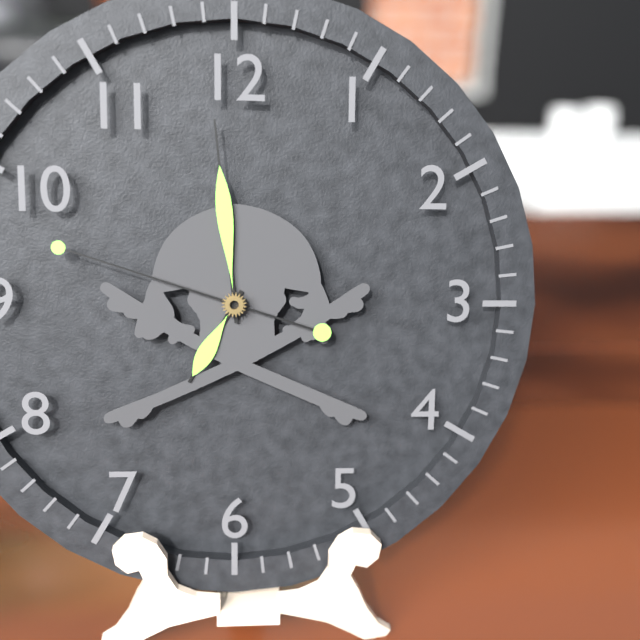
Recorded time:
{"hour": 6, "minute": 59, "second": 48}
